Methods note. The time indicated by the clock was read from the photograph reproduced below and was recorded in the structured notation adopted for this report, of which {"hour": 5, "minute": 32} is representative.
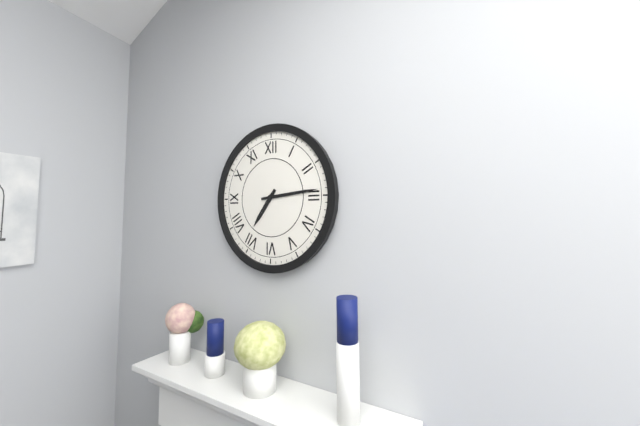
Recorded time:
{"hour": 7, "minute": 14}
